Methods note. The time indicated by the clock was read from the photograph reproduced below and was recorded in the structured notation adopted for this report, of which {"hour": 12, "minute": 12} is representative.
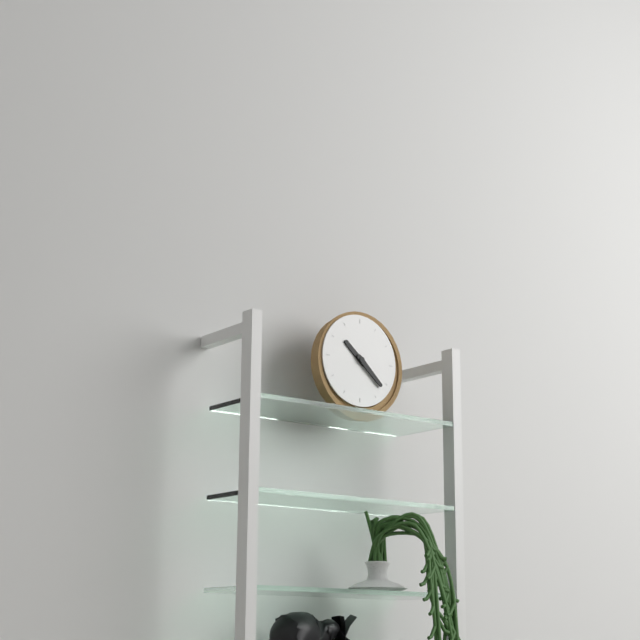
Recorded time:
{"hour": 10, "minute": 22}
